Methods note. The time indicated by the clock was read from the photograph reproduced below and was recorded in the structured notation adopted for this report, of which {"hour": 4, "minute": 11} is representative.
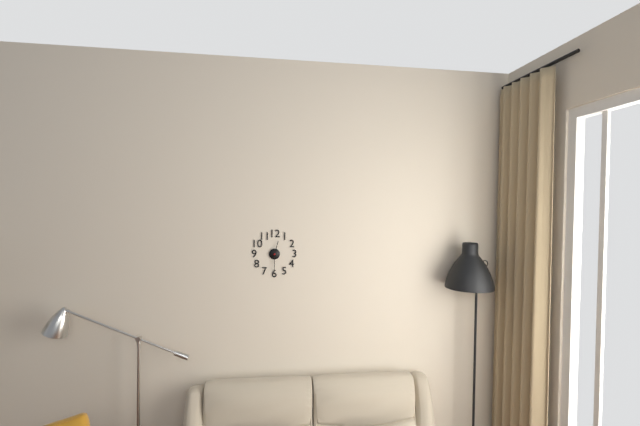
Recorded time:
{"hour": 12, "minute": 30}
